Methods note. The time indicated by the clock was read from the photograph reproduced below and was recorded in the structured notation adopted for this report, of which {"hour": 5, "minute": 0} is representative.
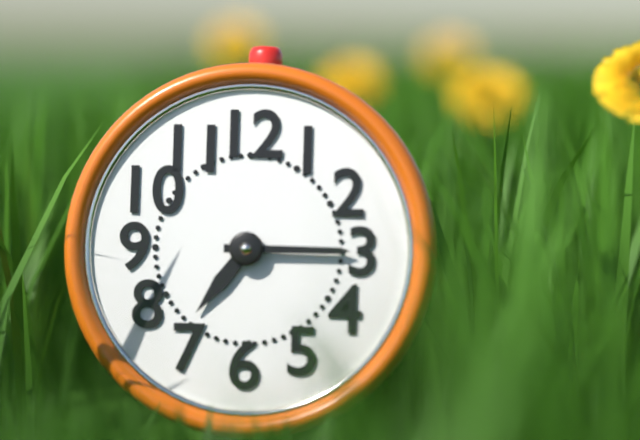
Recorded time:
{"hour": 7, "minute": 15}
